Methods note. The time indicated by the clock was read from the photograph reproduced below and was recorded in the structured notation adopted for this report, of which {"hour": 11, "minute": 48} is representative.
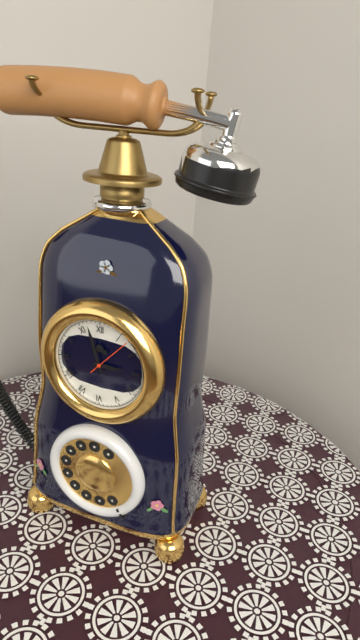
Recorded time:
{"hour": 2, "minute": 57}
